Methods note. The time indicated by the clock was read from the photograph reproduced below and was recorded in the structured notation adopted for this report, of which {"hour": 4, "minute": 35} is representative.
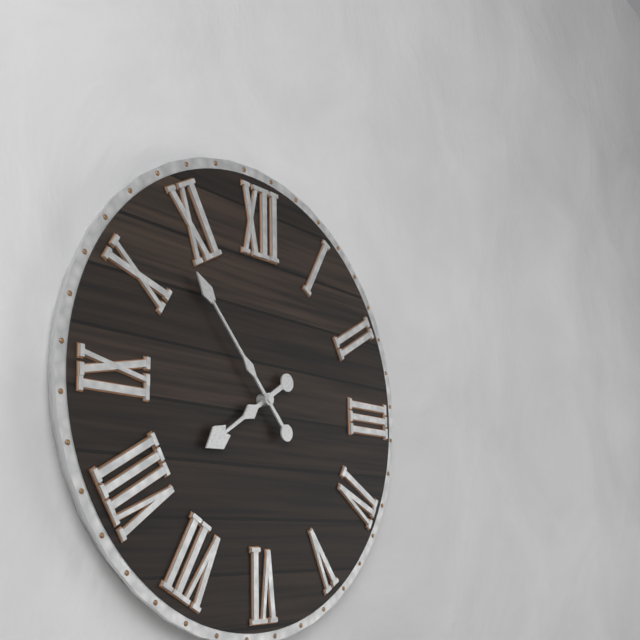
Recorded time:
{"hour": 7, "minute": 53}
